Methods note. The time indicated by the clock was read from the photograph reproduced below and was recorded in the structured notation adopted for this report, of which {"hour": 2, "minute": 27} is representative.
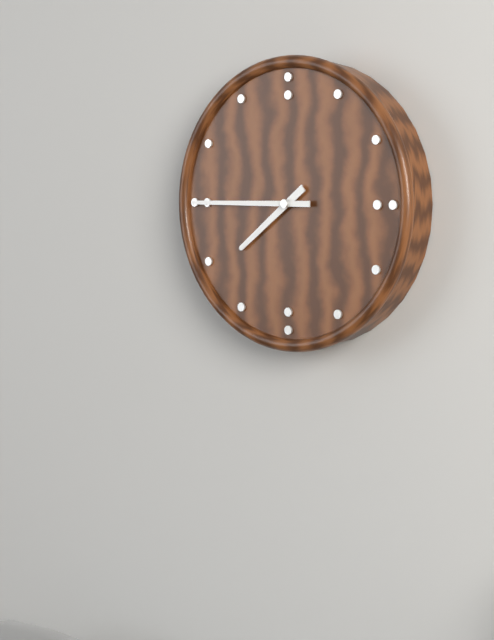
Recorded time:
{"hour": 7, "minute": 45}
